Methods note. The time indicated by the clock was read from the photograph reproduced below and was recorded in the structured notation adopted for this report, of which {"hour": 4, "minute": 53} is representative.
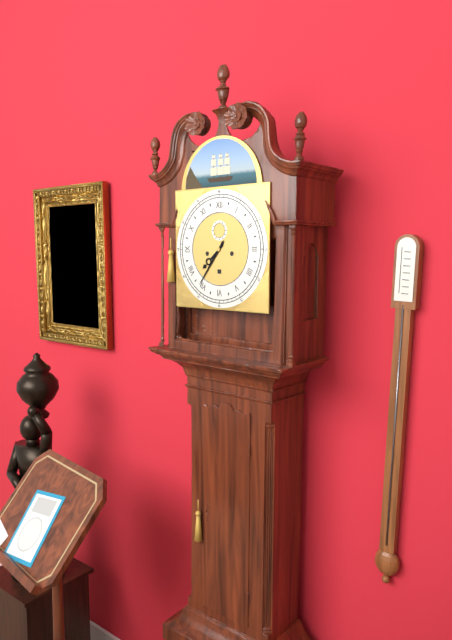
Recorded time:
{"hour": 7, "minute": 36}
